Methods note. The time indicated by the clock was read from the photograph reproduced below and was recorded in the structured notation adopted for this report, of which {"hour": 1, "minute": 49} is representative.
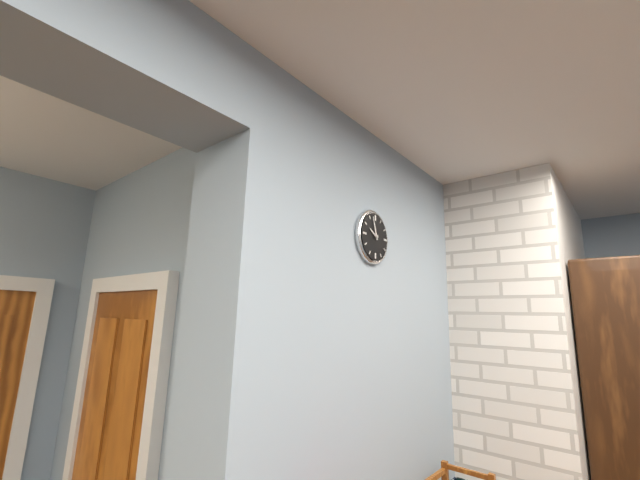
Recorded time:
{"hour": 9, "minute": 57}
